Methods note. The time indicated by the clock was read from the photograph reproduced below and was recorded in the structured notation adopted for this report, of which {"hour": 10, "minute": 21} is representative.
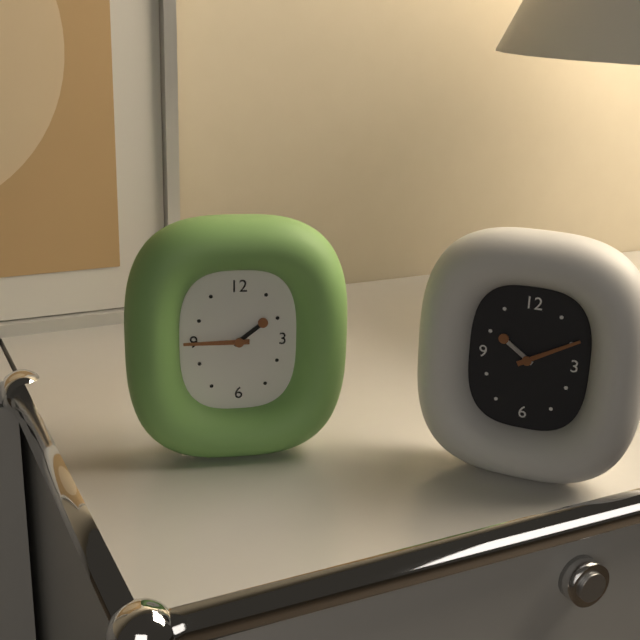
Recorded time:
{"hour": 1, "minute": 45}
